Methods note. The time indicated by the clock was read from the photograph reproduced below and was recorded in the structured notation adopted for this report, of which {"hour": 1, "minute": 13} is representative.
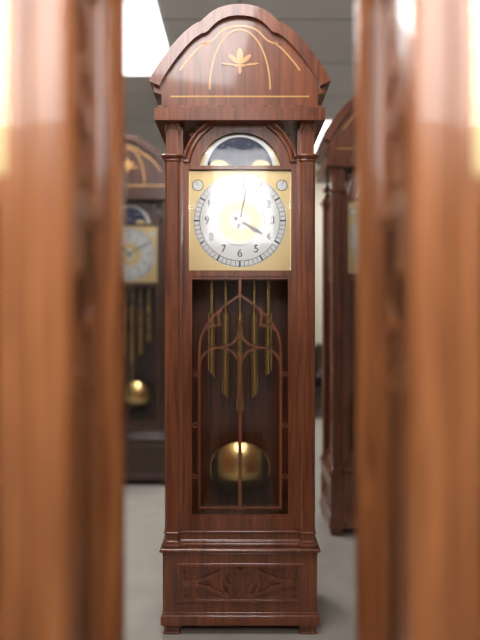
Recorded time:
{"hour": 4, "minute": 2}
